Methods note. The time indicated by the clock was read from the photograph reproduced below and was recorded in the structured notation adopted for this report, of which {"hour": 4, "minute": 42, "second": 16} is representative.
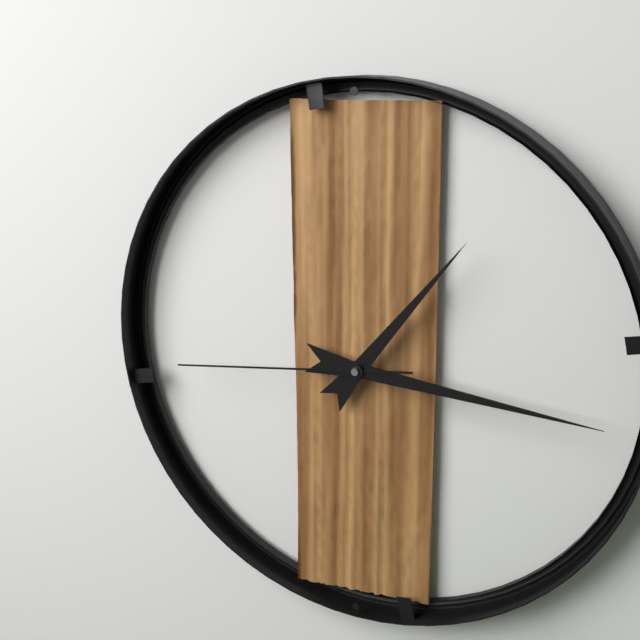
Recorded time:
{"hour": 1, "minute": 16, "second": 44}
